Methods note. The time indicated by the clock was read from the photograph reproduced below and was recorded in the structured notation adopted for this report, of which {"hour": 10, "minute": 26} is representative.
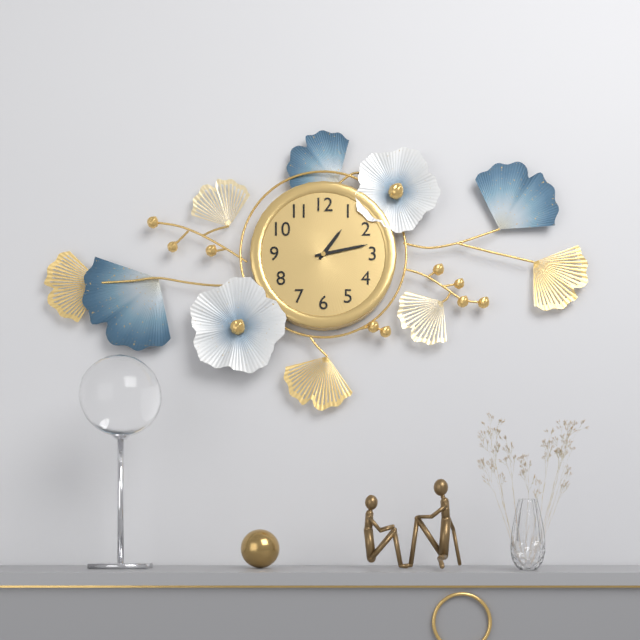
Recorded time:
{"hour": 1, "minute": 13}
